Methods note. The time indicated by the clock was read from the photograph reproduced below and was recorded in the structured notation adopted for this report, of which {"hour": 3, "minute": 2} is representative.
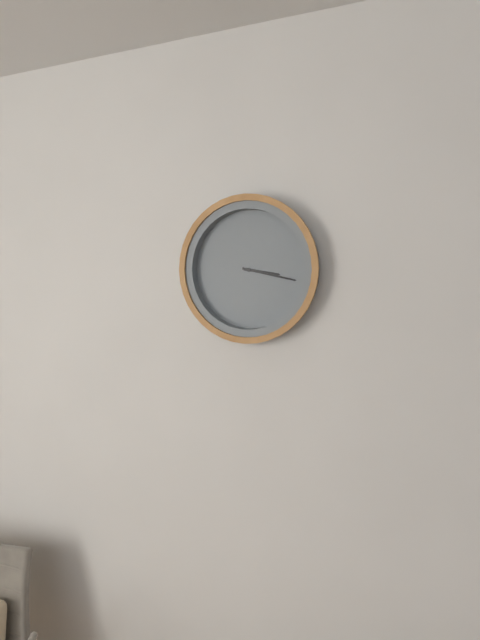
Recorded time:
{"hour": 3, "minute": 17}
